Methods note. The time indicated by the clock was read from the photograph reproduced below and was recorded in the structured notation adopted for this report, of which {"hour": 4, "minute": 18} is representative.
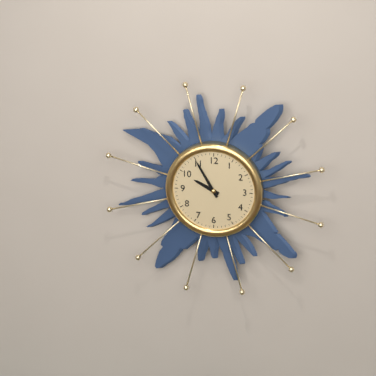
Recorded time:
{"hour": 9, "minute": 55}
